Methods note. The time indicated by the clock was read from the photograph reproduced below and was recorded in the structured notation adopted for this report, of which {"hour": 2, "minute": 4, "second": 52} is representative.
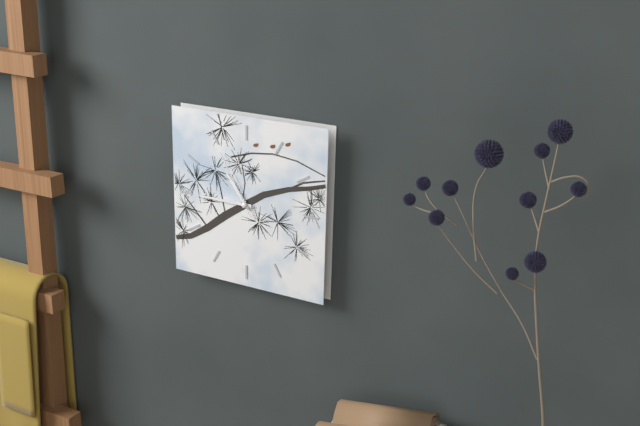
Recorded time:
{"hour": 10, "minute": 45, "second": 55}
